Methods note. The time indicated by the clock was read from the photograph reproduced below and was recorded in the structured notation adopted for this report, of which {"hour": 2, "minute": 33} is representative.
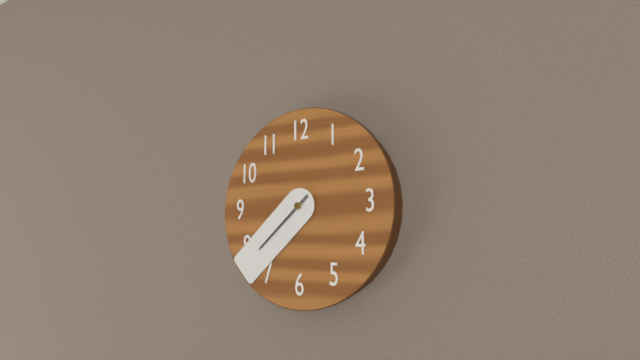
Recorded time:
{"hour": 7, "minute": 38}
